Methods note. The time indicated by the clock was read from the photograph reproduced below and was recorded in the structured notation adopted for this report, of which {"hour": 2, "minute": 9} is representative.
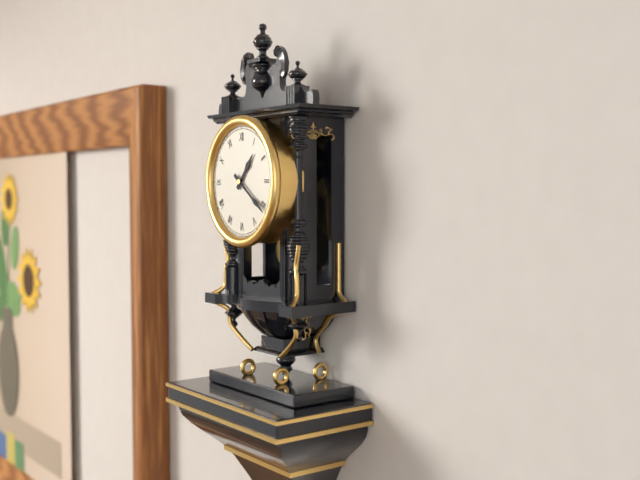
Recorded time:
{"hour": 1, "minute": 21}
